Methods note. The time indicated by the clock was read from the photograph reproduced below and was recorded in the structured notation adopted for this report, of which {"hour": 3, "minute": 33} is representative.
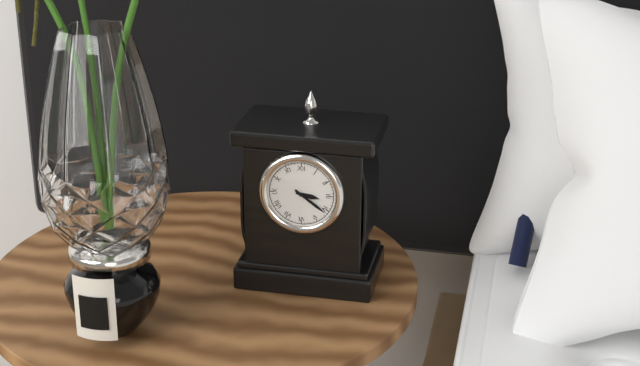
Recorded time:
{"hour": 3, "minute": 21}
